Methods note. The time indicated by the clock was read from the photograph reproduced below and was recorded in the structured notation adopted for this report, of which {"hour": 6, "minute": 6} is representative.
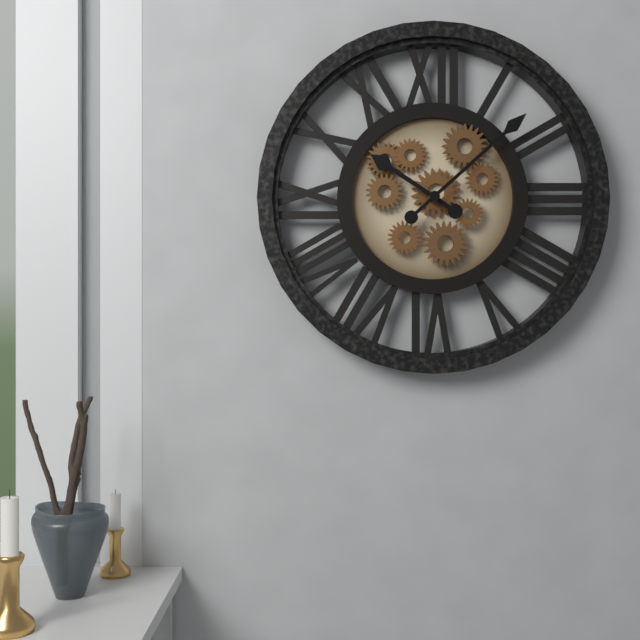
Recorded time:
{"hour": 10, "minute": 8}
